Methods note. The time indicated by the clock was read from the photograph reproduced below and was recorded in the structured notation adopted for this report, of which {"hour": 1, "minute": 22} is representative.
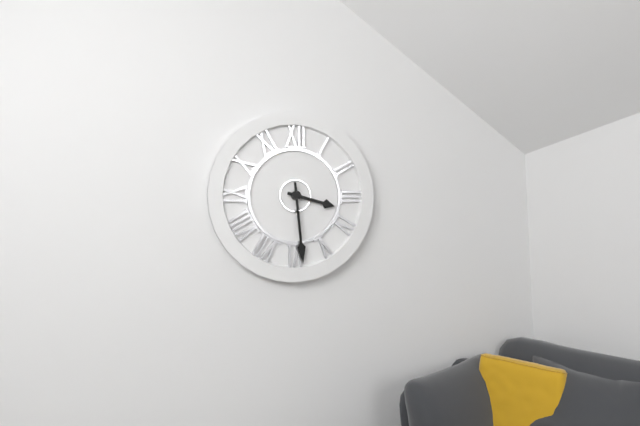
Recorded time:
{"hour": 3, "minute": 29}
